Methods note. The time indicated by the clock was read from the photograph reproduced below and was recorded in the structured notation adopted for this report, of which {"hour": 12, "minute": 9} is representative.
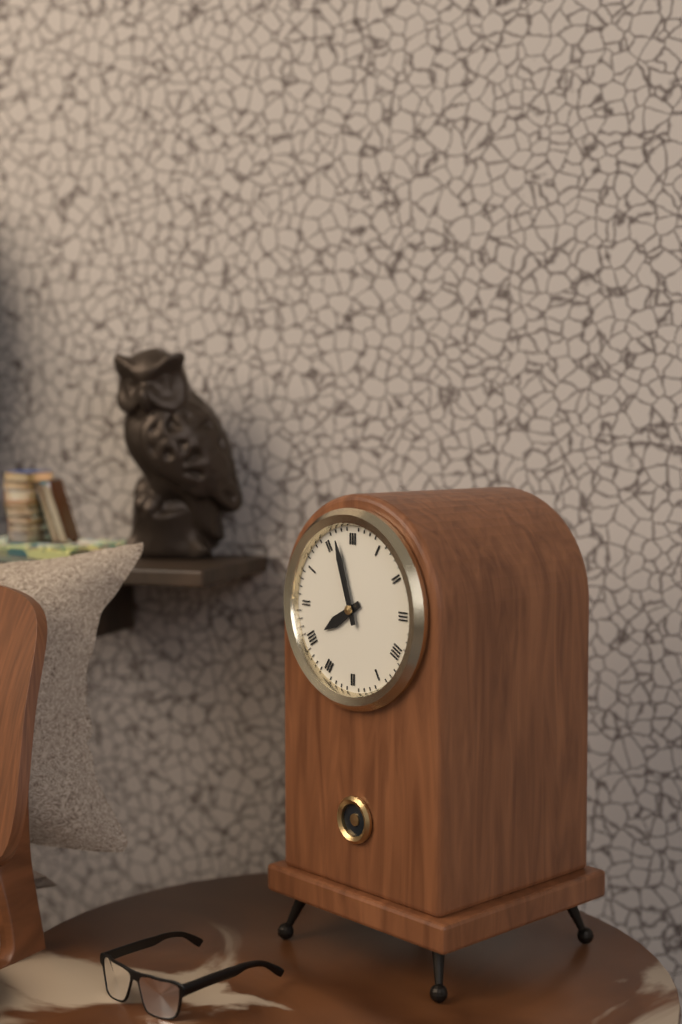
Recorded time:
{"hour": 7, "minute": 57}
